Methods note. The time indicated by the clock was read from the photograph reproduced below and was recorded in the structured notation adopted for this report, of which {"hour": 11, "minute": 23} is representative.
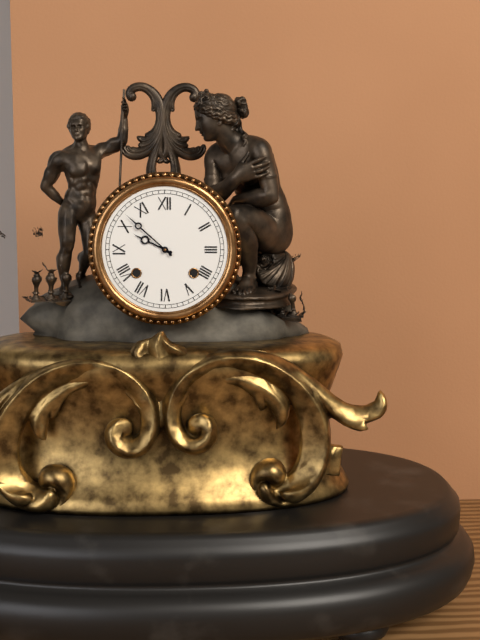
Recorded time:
{"hour": 9, "minute": 52}
